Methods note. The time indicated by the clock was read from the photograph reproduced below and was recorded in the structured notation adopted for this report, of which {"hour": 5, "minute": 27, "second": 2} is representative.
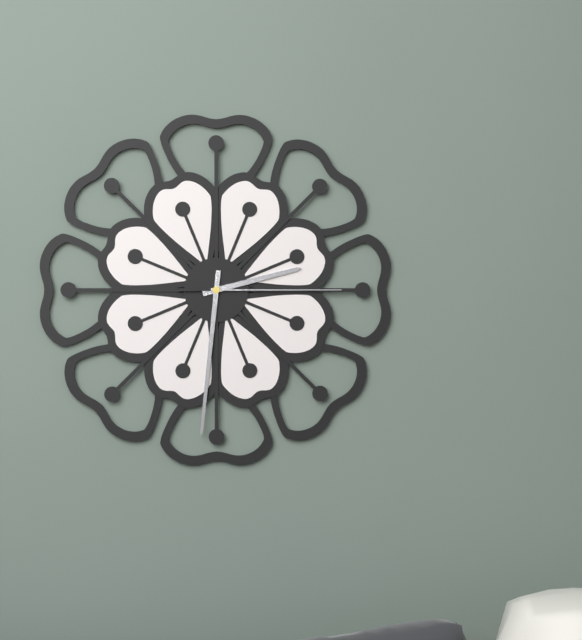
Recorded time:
{"hour": 2, "minute": 31, "second": 15}
